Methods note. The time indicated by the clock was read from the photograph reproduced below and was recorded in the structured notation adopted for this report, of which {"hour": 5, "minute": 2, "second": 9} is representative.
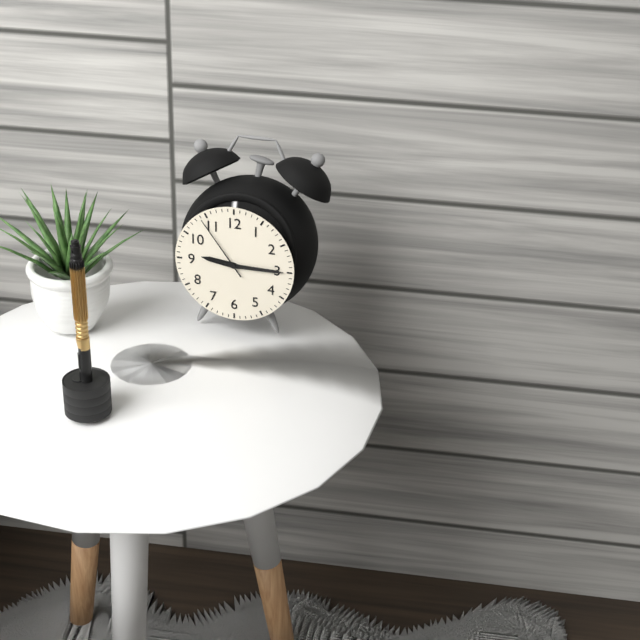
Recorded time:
{"hour": 9, "minute": 15, "second": 54}
